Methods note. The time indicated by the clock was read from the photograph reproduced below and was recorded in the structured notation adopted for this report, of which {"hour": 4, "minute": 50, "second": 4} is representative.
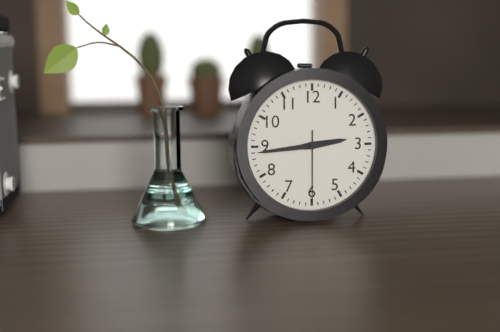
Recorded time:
{"hour": 2, "minute": 44, "second": 30}
